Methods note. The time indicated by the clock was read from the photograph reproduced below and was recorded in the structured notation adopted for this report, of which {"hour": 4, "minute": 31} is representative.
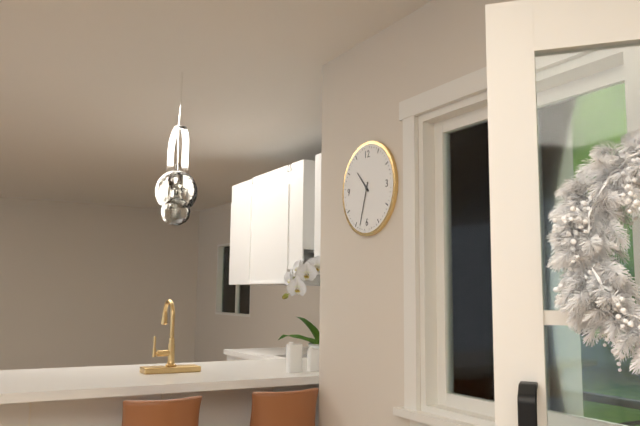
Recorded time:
{"hour": 10, "minute": 33}
